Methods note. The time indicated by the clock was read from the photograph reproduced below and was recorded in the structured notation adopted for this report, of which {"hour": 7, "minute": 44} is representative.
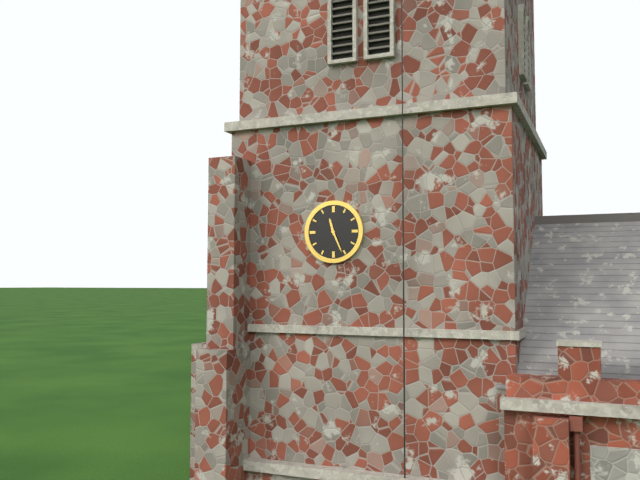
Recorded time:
{"hour": 11, "minute": 26}
